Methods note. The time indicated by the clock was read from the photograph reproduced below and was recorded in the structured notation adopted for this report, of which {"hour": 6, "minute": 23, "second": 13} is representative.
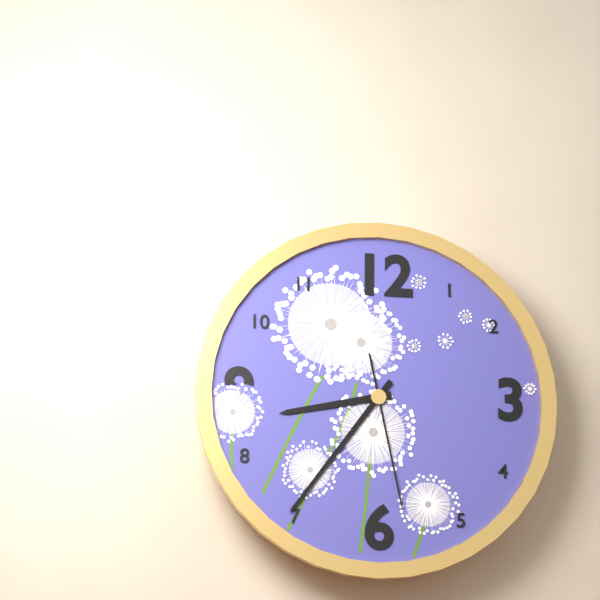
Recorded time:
{"hour": 8, "minute": 36, "second": 28}
